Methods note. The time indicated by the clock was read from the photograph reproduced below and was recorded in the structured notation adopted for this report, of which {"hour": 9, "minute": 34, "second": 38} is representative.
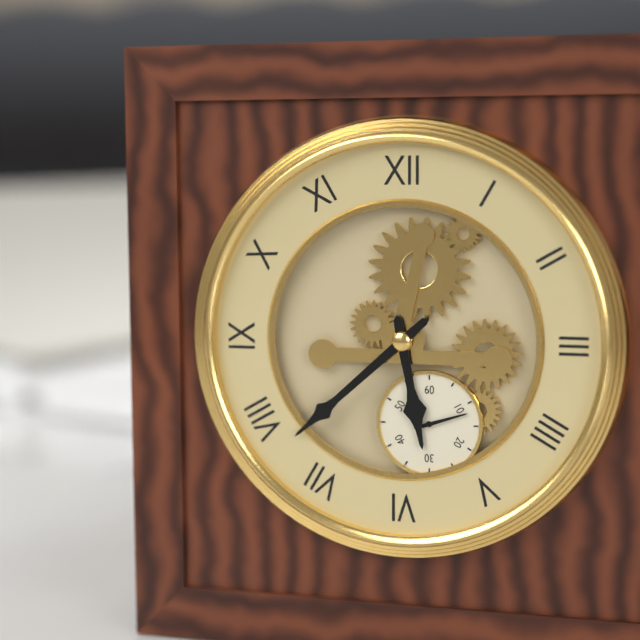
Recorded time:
{"hour": 5, "minute": 38, "second": 12}
